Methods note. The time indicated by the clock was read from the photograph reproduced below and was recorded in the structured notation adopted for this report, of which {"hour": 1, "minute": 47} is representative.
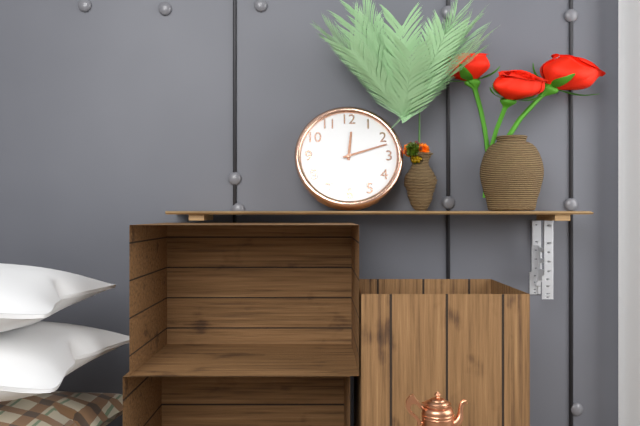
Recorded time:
{"hour": 12, "minute": 12}
